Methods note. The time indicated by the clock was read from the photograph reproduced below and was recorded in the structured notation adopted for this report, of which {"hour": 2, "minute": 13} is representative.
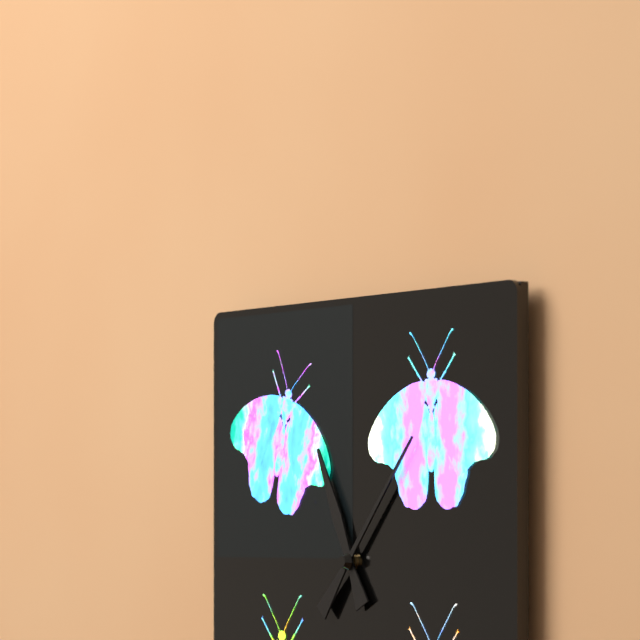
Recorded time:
{"hour": 11, "minute": 7}
